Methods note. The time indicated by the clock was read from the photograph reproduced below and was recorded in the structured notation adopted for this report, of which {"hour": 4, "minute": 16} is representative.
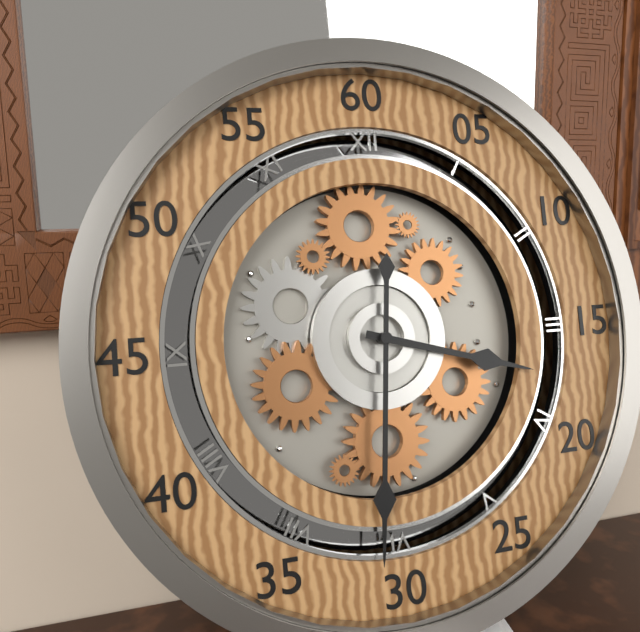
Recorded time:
{"hour": 3, "minute": 31}
